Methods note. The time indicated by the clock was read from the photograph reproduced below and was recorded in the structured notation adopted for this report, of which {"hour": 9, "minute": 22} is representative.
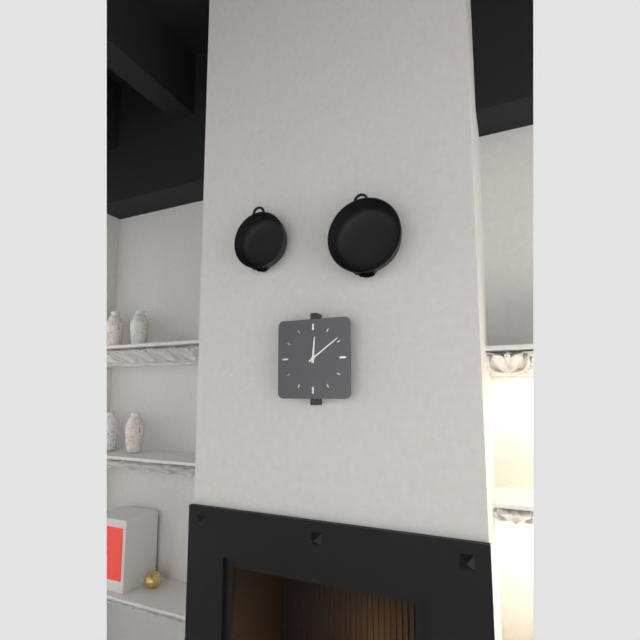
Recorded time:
{"hour": 12, "minute": 9}
